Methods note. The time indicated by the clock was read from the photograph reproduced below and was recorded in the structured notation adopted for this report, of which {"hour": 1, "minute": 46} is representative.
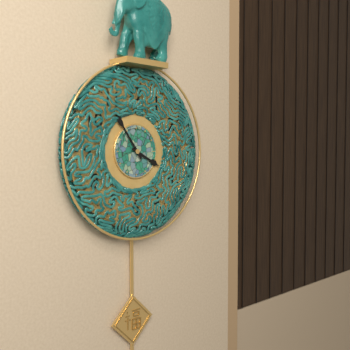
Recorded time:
{"hour": 3, "minute": 54}
